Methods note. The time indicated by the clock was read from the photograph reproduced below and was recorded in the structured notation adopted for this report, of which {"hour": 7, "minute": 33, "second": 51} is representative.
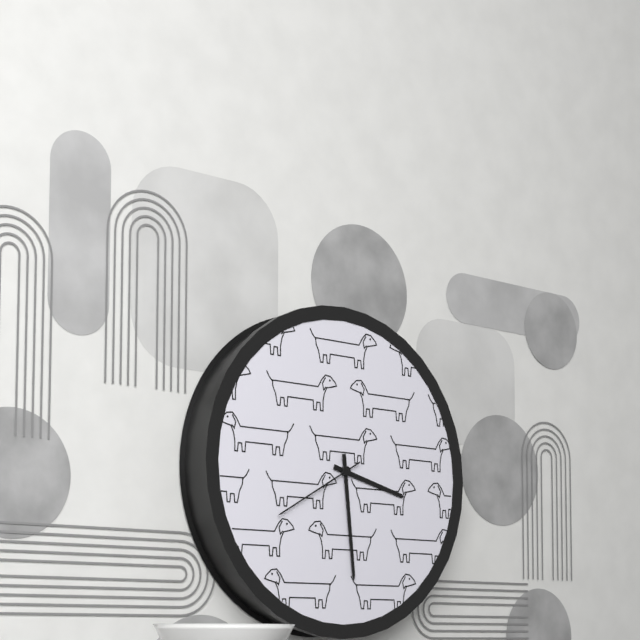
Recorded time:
{"hour": 3, "minute": 29, "second": 40}
